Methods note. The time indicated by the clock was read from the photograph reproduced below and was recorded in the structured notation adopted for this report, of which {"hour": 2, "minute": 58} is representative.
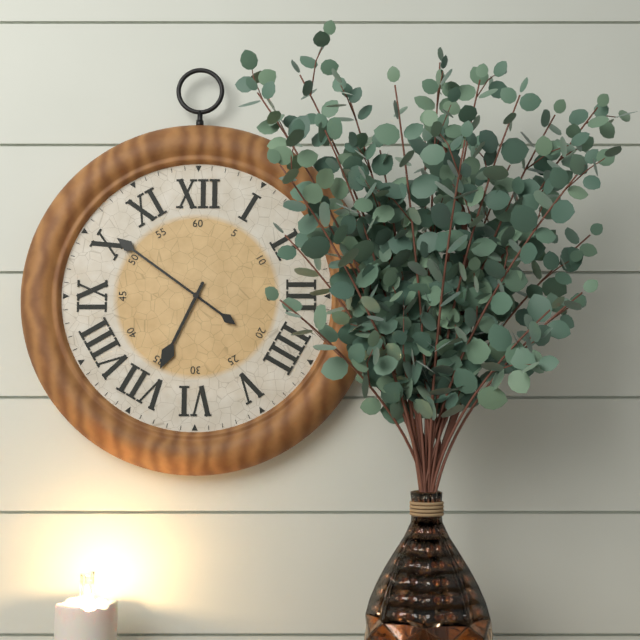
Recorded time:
{"hour": 6, "minute": 51}
